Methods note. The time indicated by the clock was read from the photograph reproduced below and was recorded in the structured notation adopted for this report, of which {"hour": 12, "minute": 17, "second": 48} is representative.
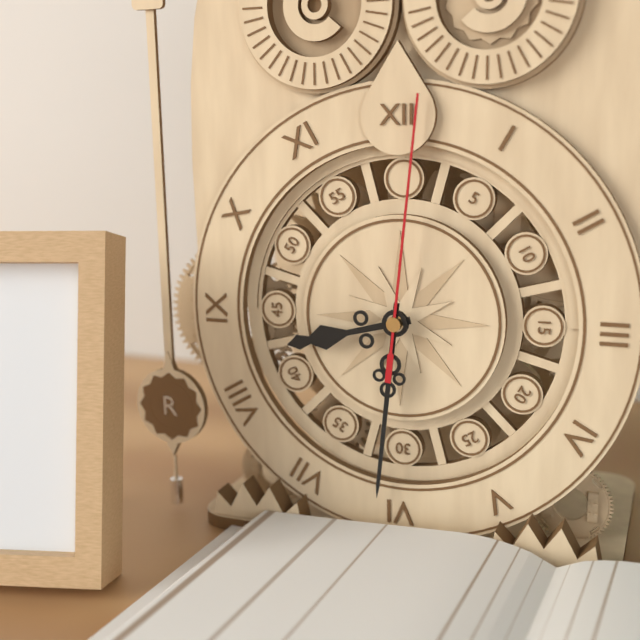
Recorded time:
{"hour": 8, "minute": 31, "second": 1}
